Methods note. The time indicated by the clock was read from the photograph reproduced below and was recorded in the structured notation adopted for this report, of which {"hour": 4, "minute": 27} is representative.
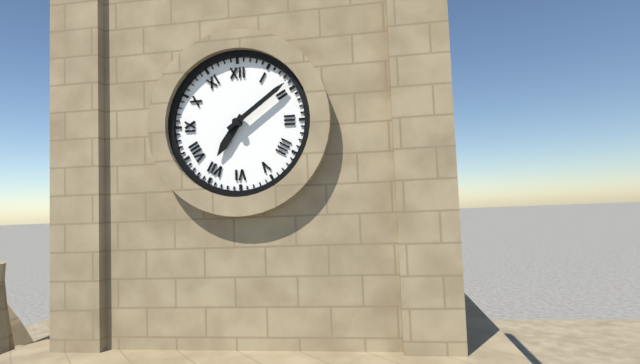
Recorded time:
{"hour": 7, "minute": 9}
